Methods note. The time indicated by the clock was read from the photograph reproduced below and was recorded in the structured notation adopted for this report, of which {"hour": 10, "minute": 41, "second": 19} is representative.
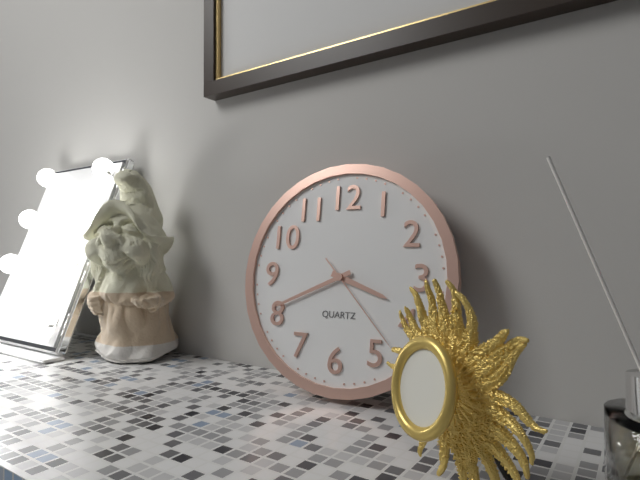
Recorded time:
{"hour": 3, "minute": 41, "second": 23}
